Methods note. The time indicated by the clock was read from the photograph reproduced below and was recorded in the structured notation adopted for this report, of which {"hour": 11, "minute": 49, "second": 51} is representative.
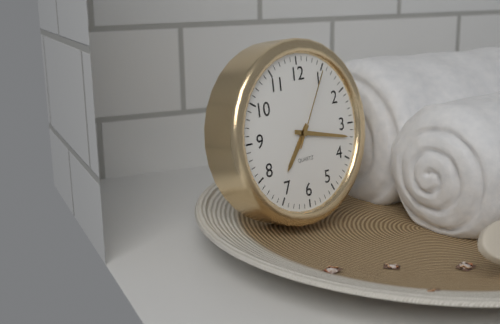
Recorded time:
{"hour": 7, "minute": 17, "second": 5}
